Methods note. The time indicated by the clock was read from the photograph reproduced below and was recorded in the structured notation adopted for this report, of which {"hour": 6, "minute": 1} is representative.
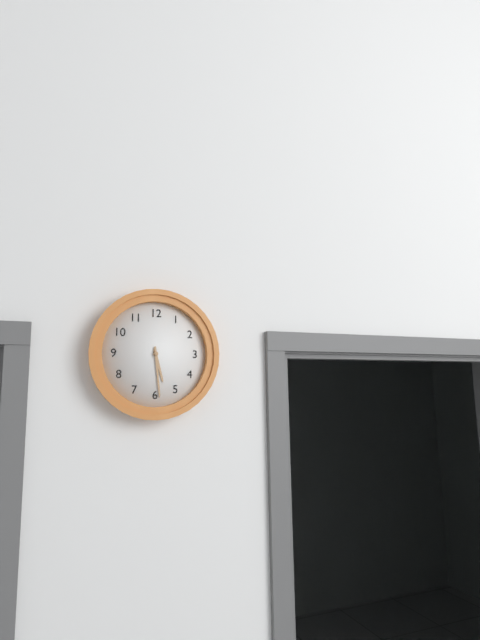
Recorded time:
{"hour": 5, "minute": 29}
